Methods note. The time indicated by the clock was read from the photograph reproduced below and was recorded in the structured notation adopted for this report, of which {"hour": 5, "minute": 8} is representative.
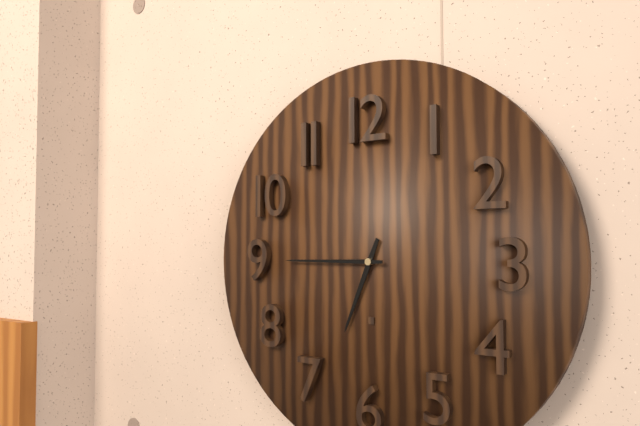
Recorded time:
{"hour": 6, "minute": 45}
